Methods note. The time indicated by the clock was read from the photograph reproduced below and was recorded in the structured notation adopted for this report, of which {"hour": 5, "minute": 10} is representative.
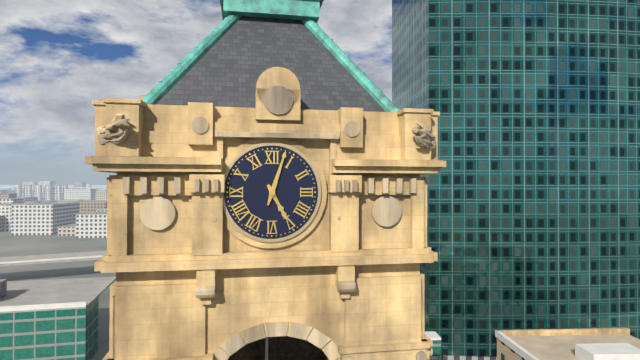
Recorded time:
{"hour": 5, "minute": 3}
